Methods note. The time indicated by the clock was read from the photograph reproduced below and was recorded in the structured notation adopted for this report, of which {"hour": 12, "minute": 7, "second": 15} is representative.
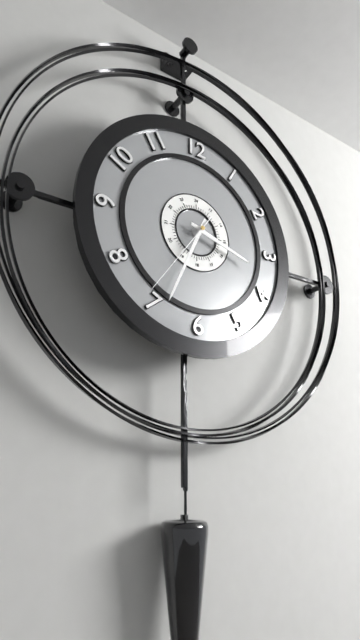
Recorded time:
{"hour": 3, "minute": 34, "second": 36}
